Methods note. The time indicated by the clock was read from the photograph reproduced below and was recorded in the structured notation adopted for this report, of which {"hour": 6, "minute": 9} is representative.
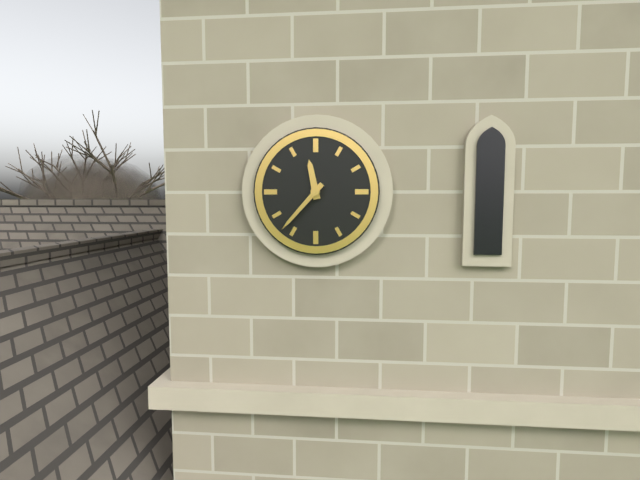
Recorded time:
{"hour": 11, "minute": 37}
